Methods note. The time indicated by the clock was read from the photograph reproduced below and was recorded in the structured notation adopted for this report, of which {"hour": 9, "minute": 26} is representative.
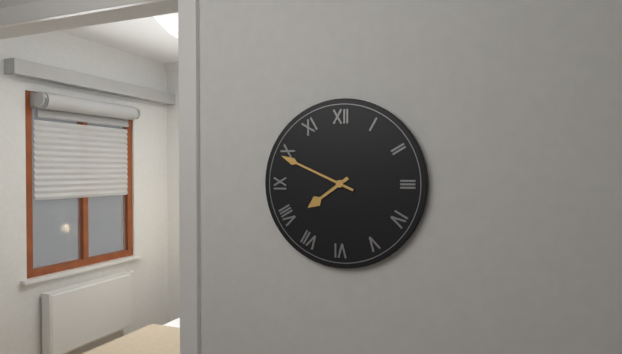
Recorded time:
{"hour": 7, "minute": 49}
